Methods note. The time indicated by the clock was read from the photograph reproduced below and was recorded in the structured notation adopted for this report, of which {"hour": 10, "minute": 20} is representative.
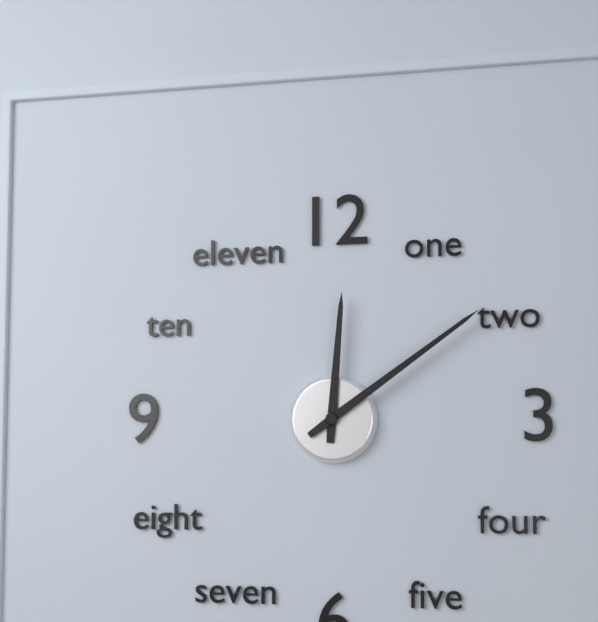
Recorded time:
{"hour": 12, "minute": 9}
